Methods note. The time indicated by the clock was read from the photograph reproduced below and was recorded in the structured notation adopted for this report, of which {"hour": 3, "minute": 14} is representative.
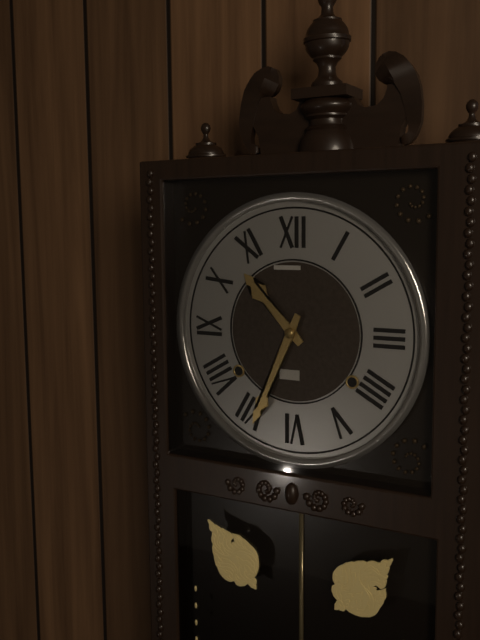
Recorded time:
{"hour": 10, "minute": 34}
